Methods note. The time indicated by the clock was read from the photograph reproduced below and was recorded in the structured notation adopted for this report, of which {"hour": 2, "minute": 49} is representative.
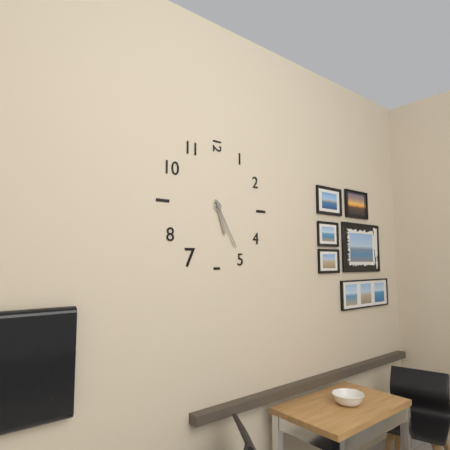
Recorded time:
{"hour": 5, "minute": 25}
